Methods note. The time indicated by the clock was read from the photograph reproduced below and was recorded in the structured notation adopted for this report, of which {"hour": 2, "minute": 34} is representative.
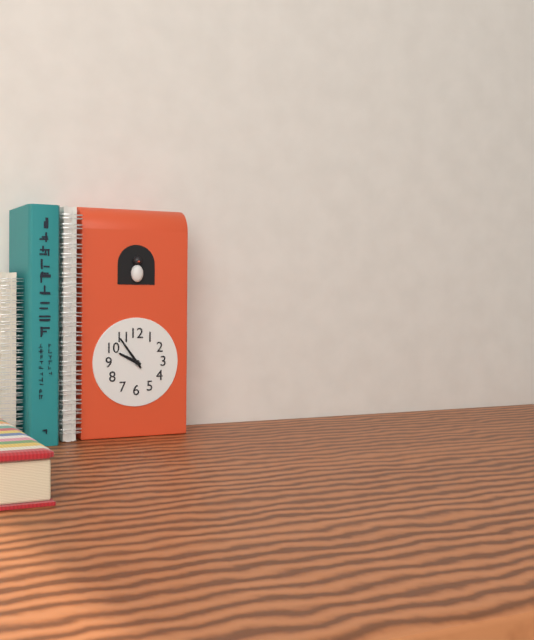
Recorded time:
{"hour": 9, "minute": 54}
